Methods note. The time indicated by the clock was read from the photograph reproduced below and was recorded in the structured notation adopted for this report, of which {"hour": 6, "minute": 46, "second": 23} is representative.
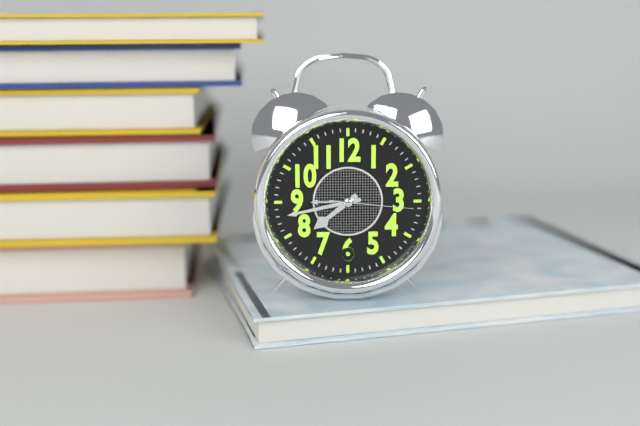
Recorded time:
{"hour": 7, "minute": 43, "second": 16}
